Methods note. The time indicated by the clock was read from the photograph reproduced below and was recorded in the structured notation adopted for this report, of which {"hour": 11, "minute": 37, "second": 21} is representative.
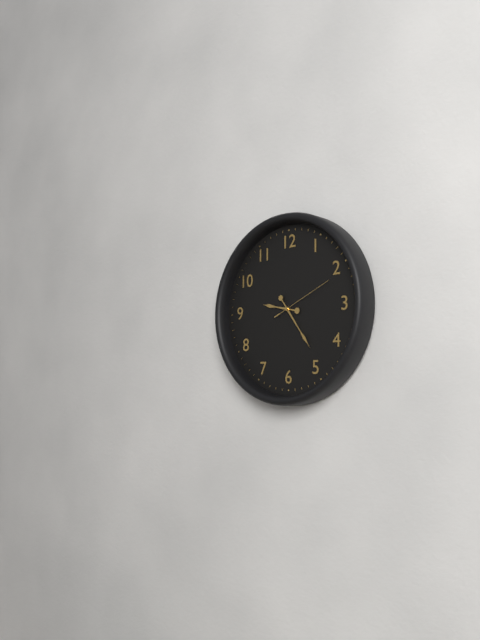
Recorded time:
{"hour": 9, "minute": 24, "second": 11}
